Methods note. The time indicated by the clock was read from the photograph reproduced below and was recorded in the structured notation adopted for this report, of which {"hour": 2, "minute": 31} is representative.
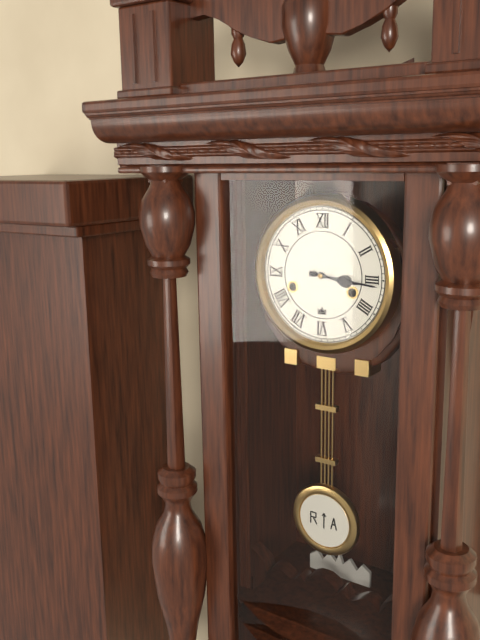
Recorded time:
{"hour": 3, "minute": 16}
